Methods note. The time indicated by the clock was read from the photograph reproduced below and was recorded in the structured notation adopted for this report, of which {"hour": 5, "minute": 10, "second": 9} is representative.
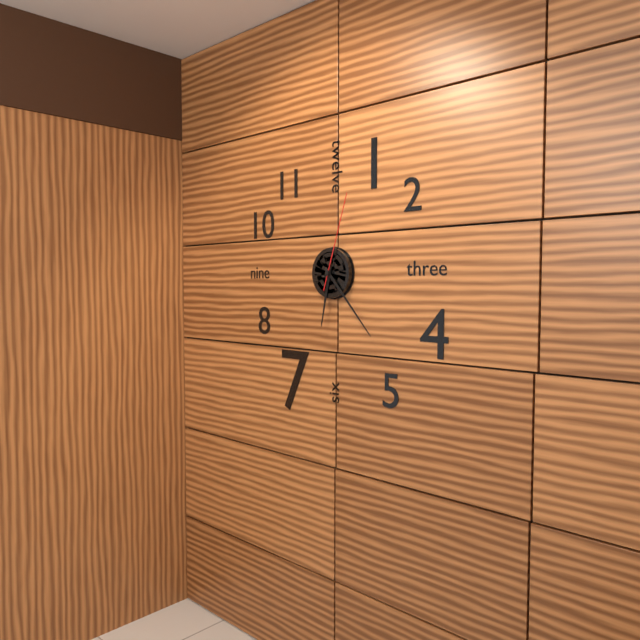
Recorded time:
{"hour": 6, "minute": 23, "second": 3}
